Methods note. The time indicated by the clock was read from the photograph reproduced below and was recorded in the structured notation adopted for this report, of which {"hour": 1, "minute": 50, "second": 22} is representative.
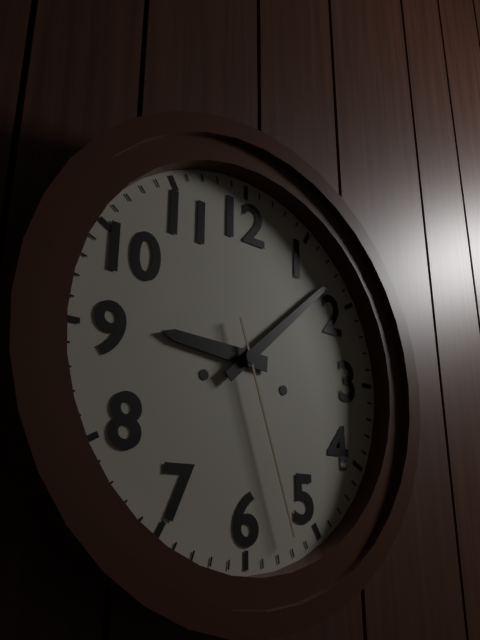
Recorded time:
{"hour": 9, "minute": 8, "second": 27}
